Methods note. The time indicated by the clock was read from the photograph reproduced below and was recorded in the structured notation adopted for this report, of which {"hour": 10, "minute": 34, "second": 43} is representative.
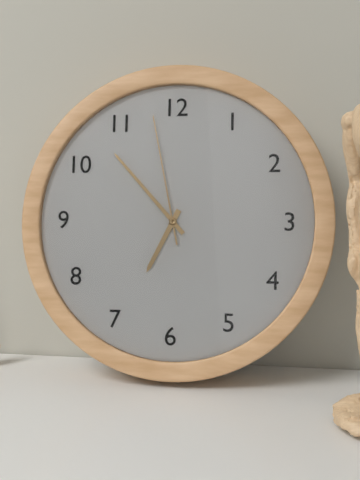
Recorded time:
{"hour": 6, "minute": 53, "second": 58}
